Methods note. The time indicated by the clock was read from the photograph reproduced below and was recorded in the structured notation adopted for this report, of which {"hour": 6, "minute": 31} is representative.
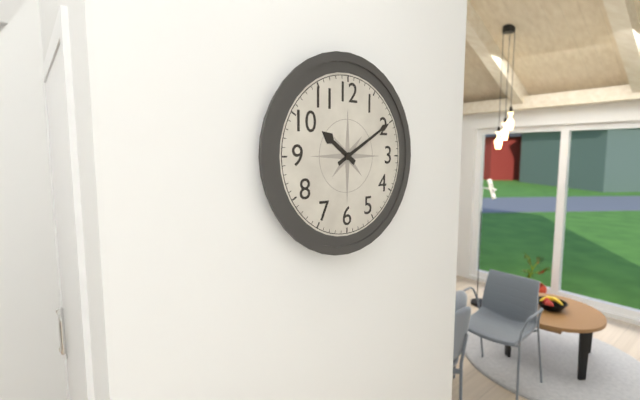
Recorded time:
{"hour": 10, "minute": 10}
